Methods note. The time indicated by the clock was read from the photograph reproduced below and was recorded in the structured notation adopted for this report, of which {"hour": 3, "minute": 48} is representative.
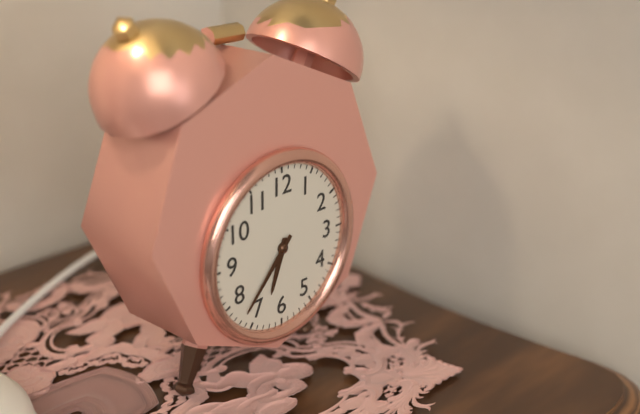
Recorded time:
{"hour": 6, "minute": 37}
